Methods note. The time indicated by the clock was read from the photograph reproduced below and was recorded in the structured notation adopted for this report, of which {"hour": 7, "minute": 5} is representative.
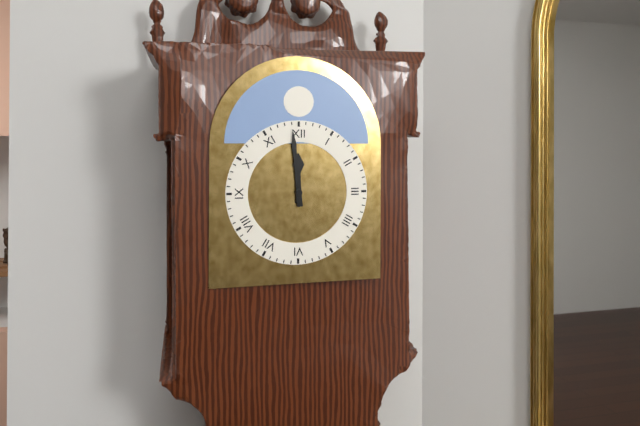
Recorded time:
{"hour": 11, "minute": 59}
